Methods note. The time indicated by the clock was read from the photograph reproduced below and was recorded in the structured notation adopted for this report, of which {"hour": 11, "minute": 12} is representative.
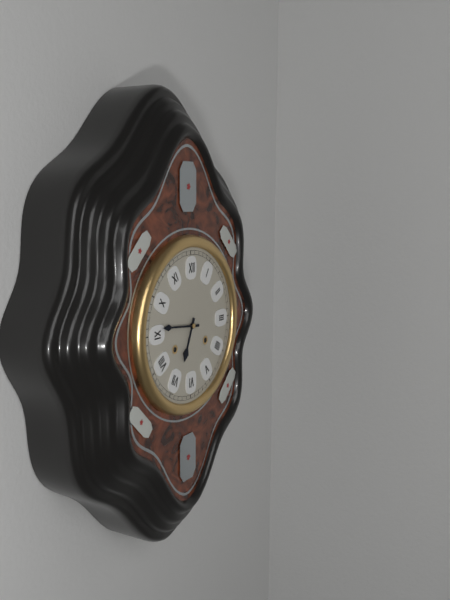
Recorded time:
{"hour": 6, "minute": 46}
